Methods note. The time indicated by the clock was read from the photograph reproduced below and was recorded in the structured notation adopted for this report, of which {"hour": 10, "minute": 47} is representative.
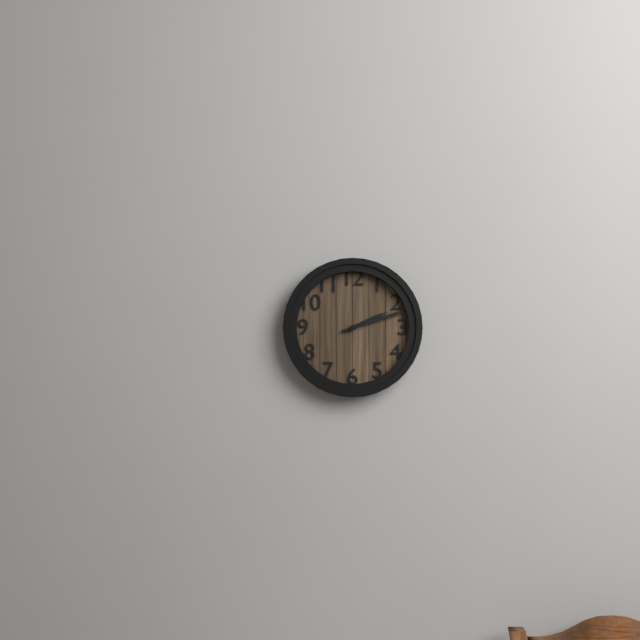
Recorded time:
{"hour": 2, "minute": 12}
